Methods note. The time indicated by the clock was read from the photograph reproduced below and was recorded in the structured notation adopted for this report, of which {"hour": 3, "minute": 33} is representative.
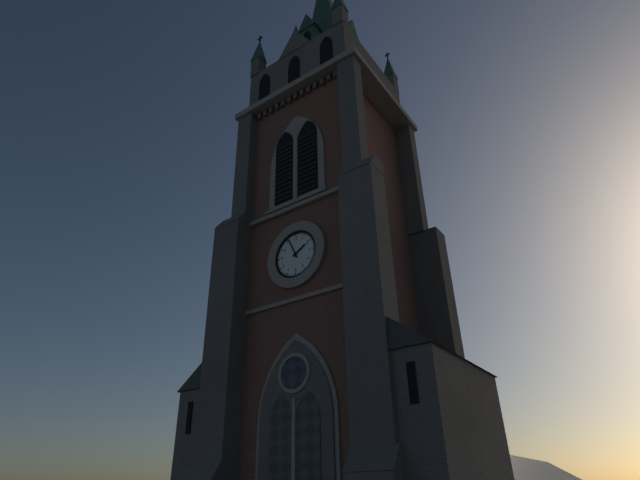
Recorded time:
{"hour": 1, "minute": 56}
